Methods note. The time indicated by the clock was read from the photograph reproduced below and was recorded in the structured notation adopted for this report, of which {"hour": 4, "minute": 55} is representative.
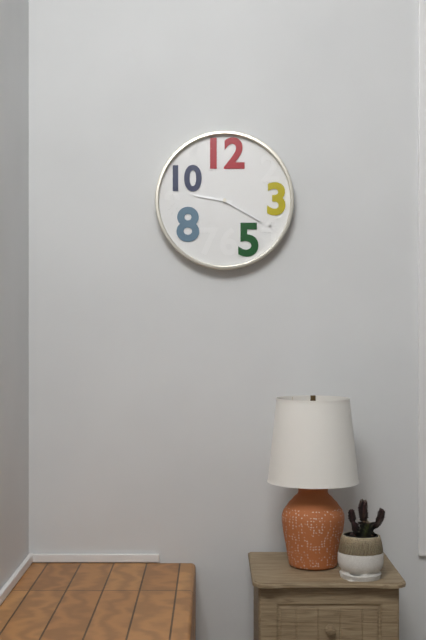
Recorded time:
{"hour": 9, "minute": 20}
